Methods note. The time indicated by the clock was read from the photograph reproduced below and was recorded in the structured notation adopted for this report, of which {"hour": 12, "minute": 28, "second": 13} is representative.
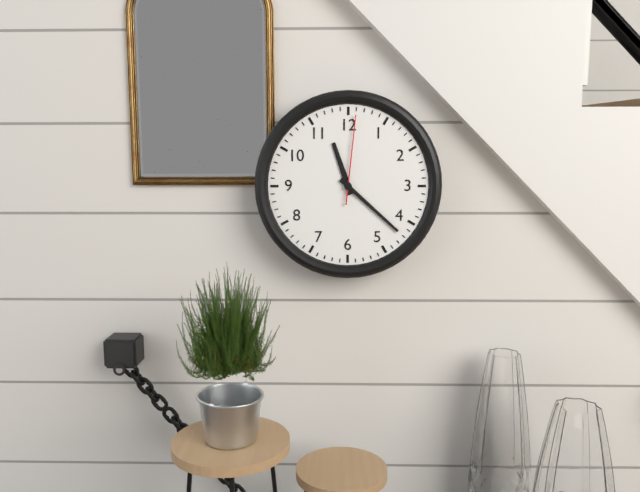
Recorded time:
{"hour": 11, "minute": 22, "second": 1}
